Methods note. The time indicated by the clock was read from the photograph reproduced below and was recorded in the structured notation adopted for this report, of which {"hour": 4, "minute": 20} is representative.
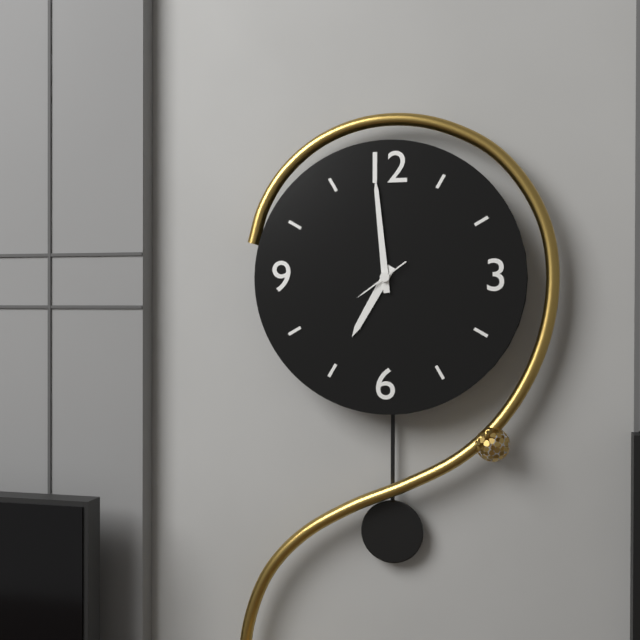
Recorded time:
{"hour": 6, "minute": 59}
